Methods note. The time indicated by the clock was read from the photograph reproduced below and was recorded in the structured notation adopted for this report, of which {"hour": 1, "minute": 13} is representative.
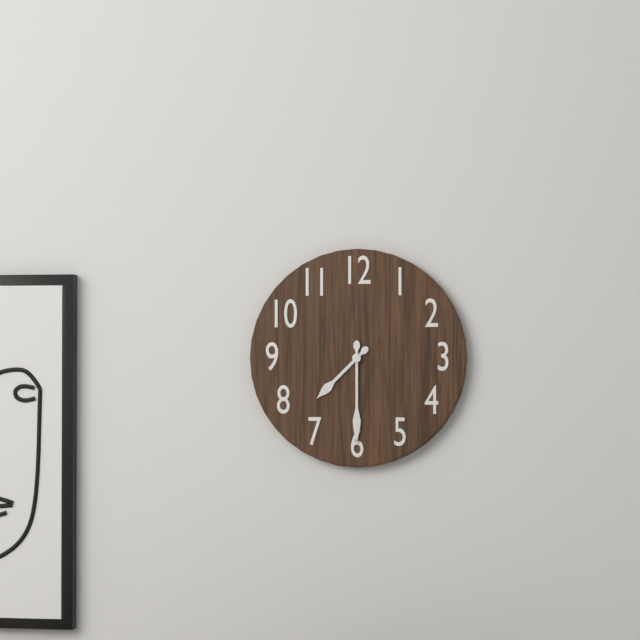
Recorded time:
{"hour": 7, "minute": 30}
